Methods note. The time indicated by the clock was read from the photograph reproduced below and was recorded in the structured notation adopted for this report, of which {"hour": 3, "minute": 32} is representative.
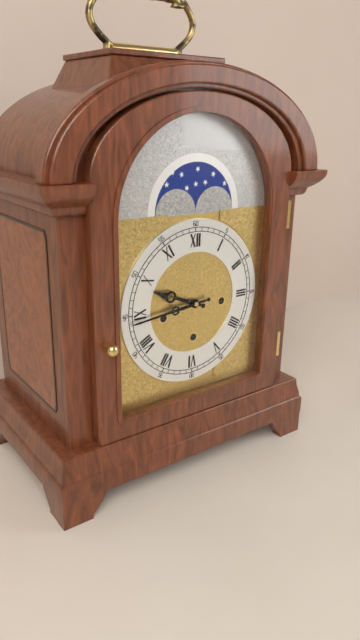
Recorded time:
{"hour": 9, "minute": 44}
